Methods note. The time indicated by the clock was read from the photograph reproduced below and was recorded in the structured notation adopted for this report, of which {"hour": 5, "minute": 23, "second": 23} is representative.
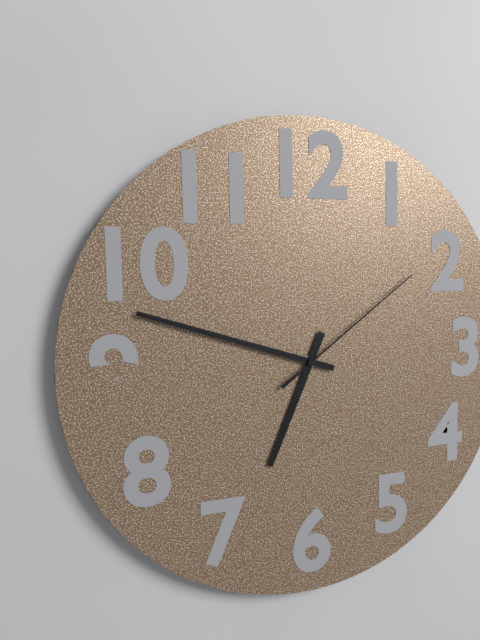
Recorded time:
{"hour": 6, "minute": 48, "second": 9}
